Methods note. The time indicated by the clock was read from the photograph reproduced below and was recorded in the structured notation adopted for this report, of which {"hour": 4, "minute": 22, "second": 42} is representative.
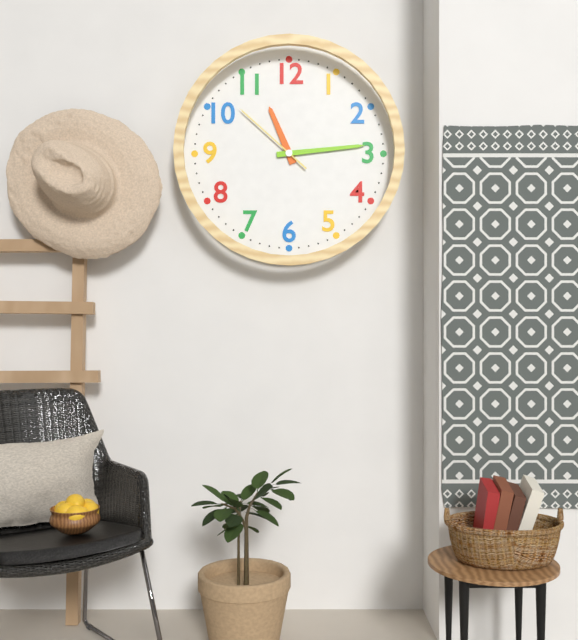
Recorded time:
{"hour": 11, "minute": 14, "second": 52}
